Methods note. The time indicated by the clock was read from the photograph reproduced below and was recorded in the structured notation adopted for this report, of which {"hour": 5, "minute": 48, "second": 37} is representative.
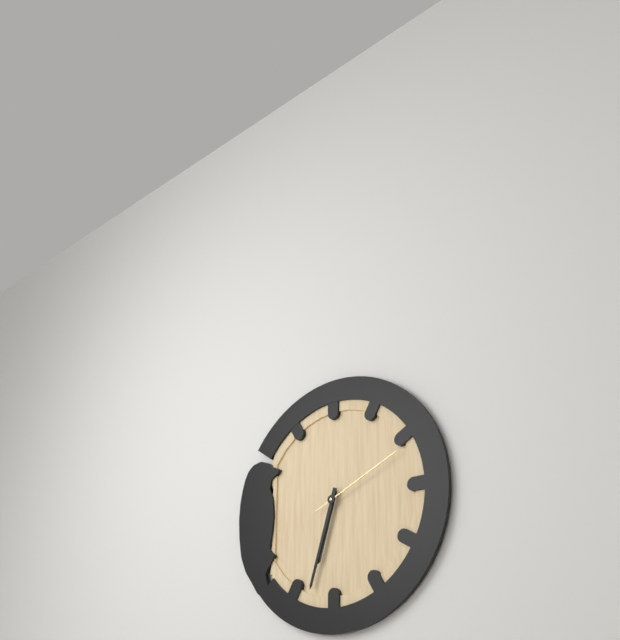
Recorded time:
{"hour": 6, "minute": 33, "second": 11}
